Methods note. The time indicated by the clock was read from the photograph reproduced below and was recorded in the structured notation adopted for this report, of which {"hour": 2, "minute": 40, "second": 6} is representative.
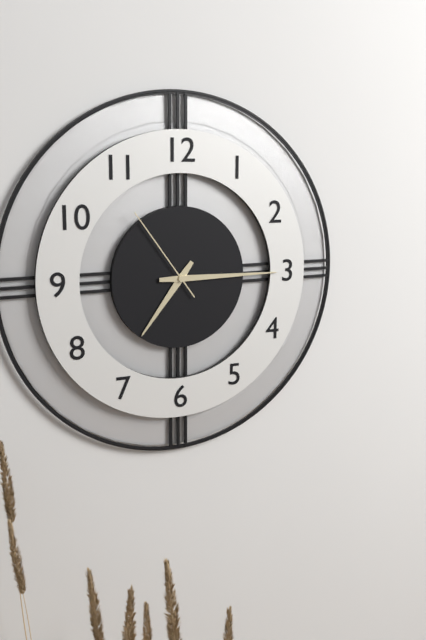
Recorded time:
{"hour": 7, "minute": 15, "second": 54}
